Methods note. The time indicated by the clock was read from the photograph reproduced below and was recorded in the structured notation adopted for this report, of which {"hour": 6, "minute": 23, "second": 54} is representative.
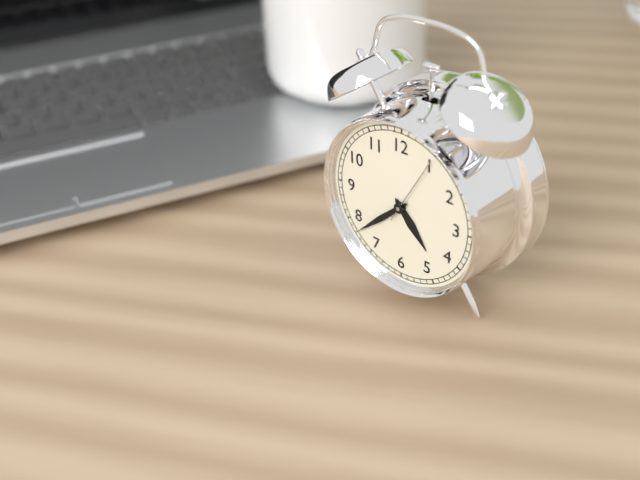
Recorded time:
{"hour": 4, "minute": 38, "second": 5}
